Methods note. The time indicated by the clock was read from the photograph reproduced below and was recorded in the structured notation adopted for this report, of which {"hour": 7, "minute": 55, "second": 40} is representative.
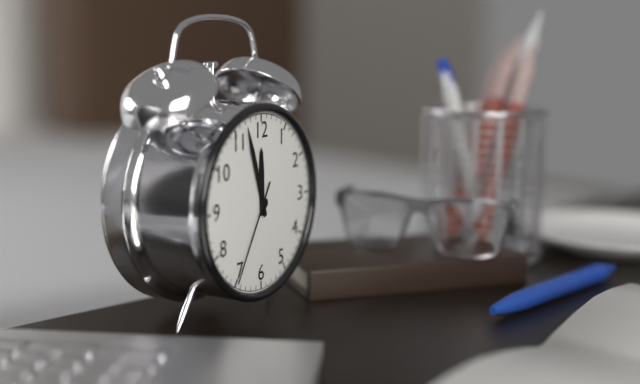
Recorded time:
{"hour": 11, "minute": 57, "second": 35}
